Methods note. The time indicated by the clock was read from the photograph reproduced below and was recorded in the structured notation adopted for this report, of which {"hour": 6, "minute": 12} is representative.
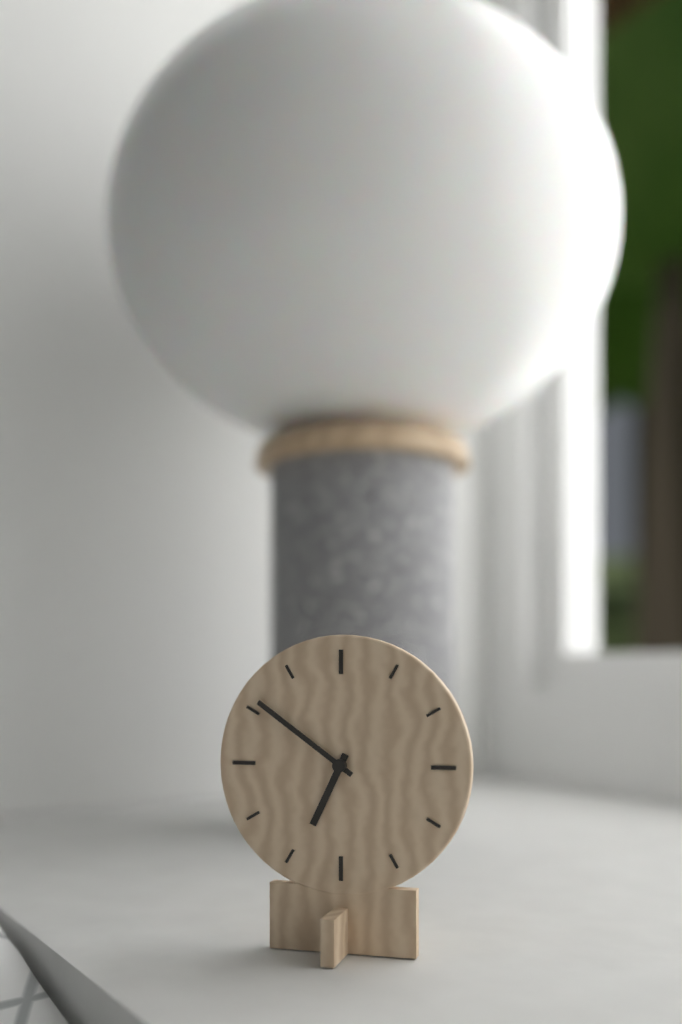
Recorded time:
{"hour": 6, "minute": 51}
